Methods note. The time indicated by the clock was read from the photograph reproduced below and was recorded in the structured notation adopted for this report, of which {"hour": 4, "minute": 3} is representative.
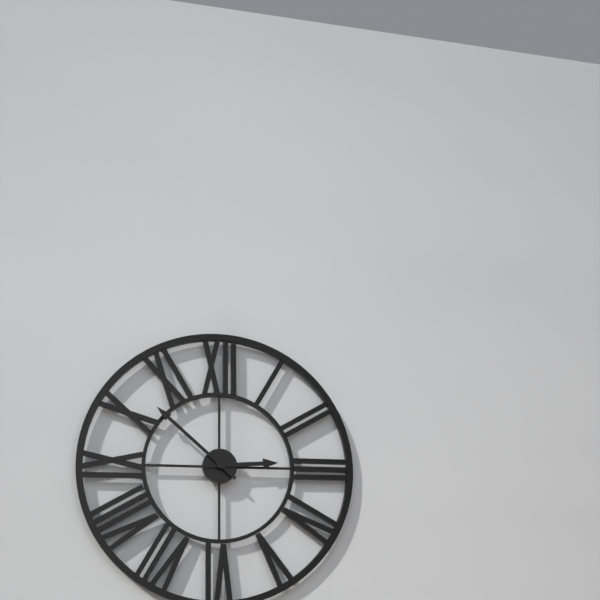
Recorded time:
{"hour": 2, "minute": 52}
